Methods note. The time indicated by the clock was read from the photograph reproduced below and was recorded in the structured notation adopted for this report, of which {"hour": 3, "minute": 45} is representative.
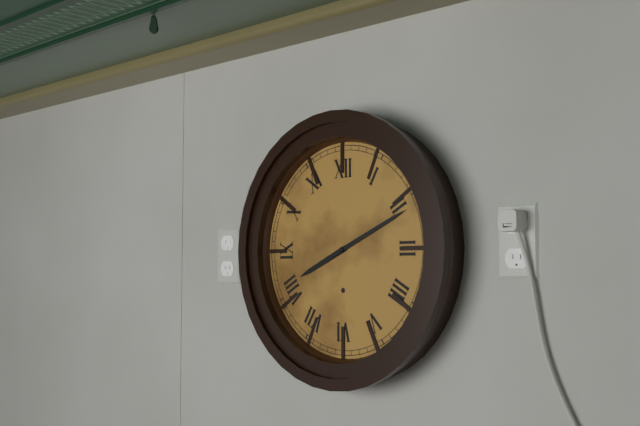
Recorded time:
{"hour": 8, "minute": 11}
